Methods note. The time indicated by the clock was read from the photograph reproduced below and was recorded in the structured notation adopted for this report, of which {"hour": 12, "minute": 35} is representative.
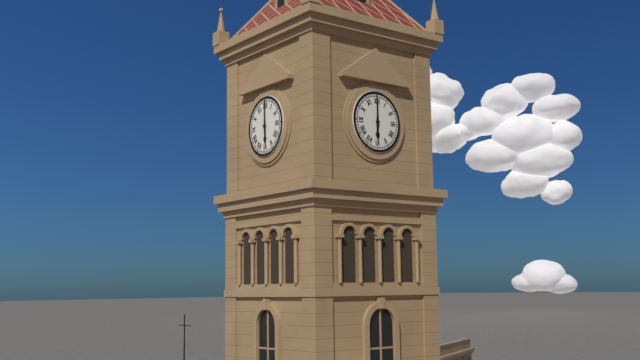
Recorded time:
{"hour": 6, "minute": 0}
